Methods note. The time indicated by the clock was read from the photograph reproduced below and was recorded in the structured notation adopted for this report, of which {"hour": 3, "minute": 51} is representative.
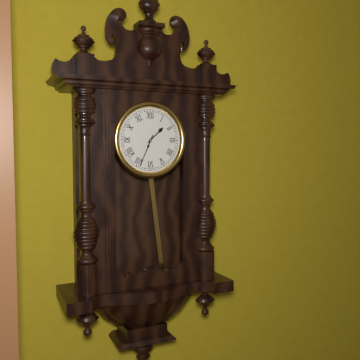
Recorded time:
{"hour": 1, "minute": 34}
